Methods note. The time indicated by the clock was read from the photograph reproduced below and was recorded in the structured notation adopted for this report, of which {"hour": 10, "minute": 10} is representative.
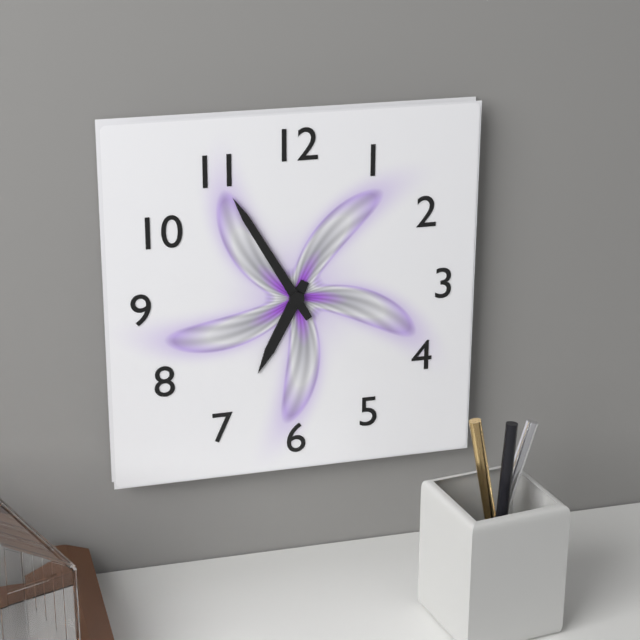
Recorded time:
{"hour": 6, "minute": 55}
